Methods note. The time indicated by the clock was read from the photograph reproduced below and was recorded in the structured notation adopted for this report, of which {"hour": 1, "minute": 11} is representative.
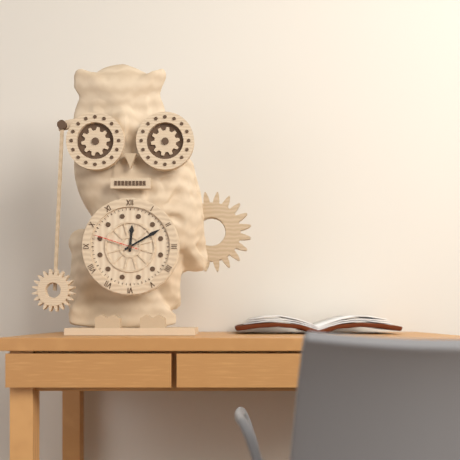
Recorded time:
{"hour": 12, "minute": 10}
